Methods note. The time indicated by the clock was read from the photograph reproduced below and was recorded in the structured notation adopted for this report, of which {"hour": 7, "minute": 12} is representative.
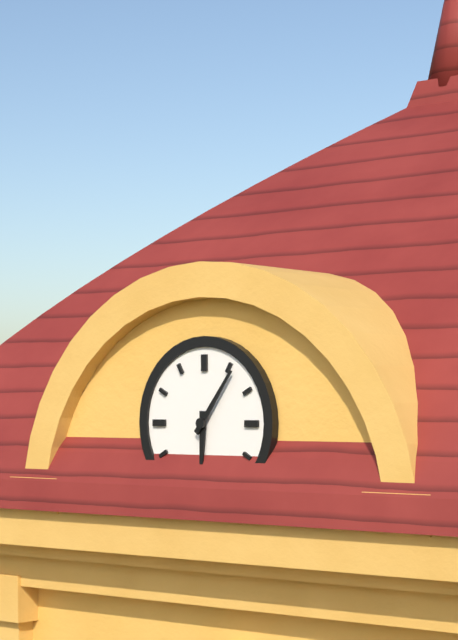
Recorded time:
{"hour": 6, "minute": 6}
